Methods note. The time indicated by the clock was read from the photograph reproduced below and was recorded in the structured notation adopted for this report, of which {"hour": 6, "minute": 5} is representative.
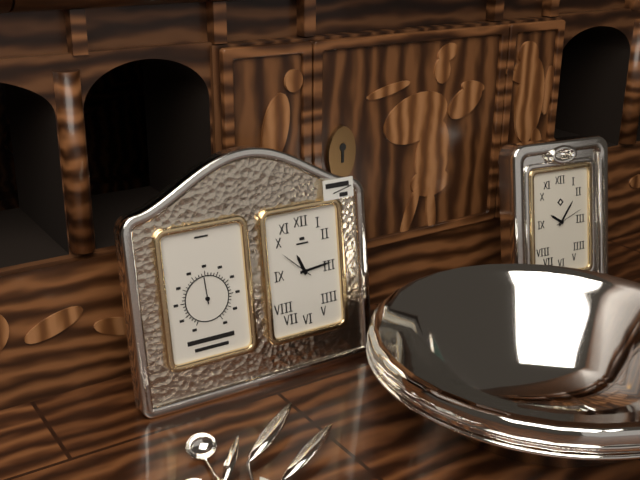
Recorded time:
{"hour": 11, "minute": 14}
